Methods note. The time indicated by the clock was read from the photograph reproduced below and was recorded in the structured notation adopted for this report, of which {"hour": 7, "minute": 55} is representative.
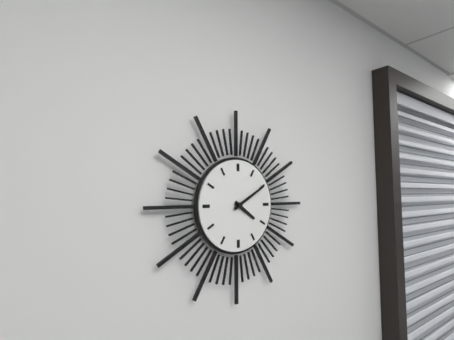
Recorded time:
{"hour": 4, "minute": 10}
